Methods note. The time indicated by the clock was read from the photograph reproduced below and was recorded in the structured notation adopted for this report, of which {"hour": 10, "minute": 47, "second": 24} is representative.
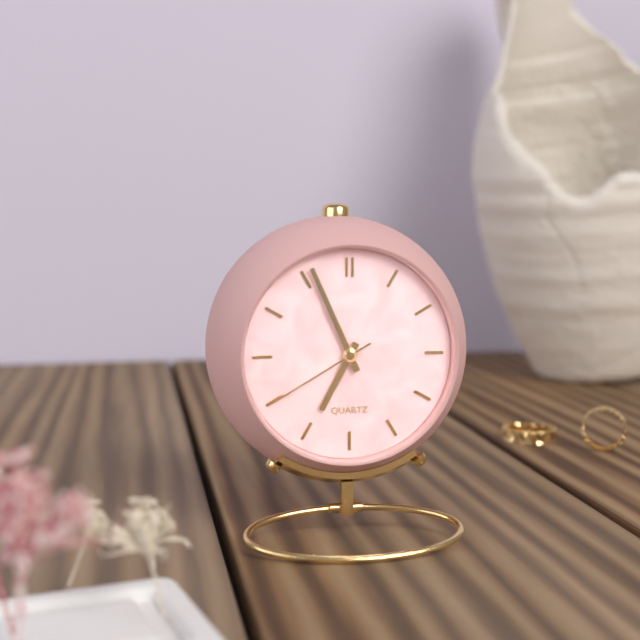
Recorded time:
{"hour": 6, "minute": 56, "second": 40}
